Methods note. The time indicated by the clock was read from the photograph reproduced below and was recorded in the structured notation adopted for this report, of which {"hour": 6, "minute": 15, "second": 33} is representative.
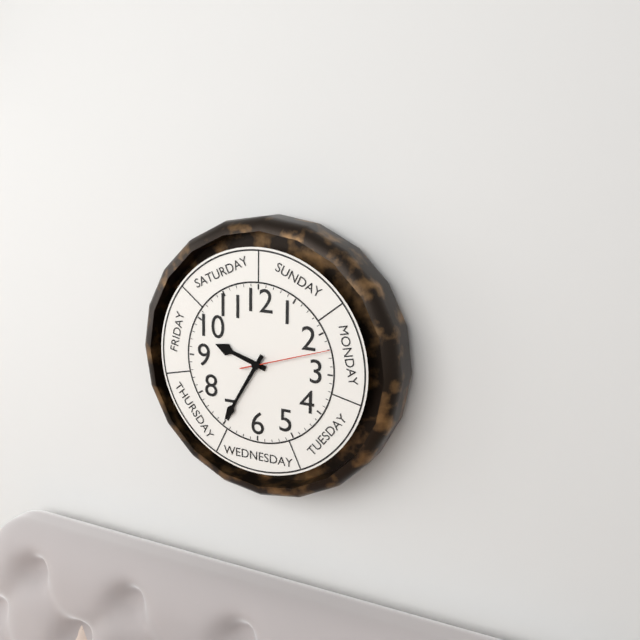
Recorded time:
{"hour": 9, "minute": 35, "second": 12}
